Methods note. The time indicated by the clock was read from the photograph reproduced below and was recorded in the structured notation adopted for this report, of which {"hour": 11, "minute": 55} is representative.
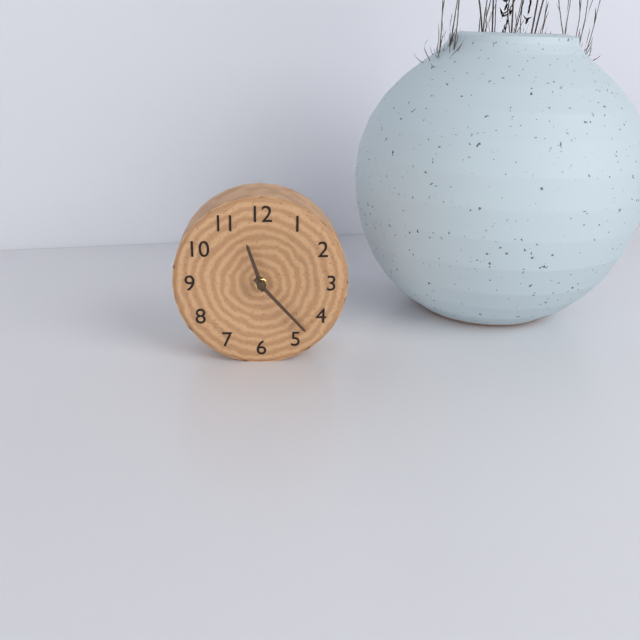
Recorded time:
{"hour": 11, "minute": 23}
